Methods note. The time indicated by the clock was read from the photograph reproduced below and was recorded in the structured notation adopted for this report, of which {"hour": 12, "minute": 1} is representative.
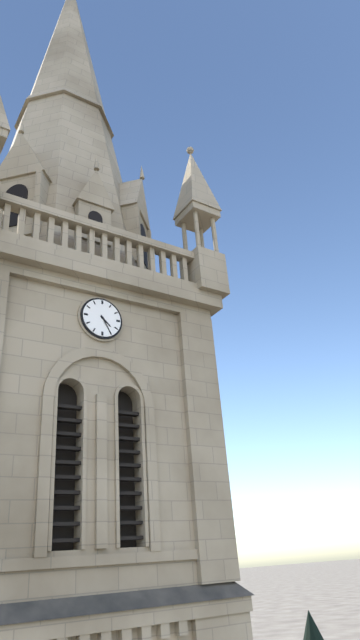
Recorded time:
{"hour": 4, "minute": 25}
